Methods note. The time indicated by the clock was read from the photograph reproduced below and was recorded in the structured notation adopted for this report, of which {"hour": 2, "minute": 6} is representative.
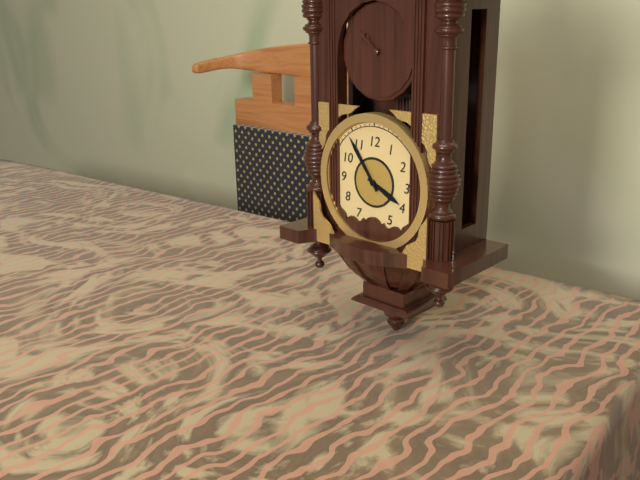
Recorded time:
{"hour": 3, "minute": 54}
